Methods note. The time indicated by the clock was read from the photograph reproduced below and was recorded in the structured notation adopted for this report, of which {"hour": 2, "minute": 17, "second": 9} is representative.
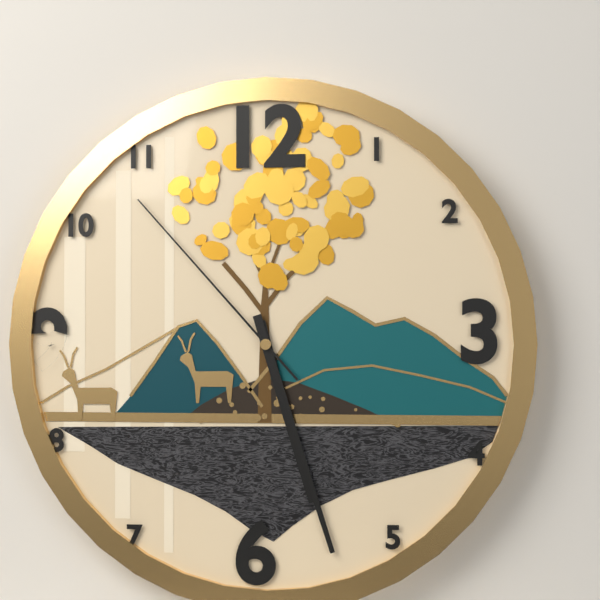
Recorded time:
{"hour": 5, "minute": 27, "second": 53}
